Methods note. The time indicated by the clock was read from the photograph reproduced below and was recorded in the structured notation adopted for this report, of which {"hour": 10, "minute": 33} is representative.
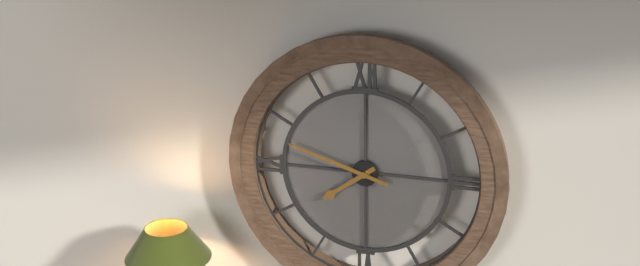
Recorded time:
{"hour": 7, "minute": 48}
